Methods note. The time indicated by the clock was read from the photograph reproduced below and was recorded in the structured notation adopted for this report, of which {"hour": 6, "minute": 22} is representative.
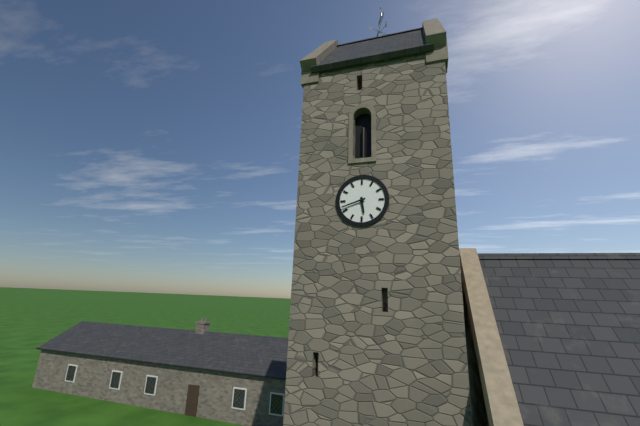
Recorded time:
{"hour": 5, "minute": 42}
